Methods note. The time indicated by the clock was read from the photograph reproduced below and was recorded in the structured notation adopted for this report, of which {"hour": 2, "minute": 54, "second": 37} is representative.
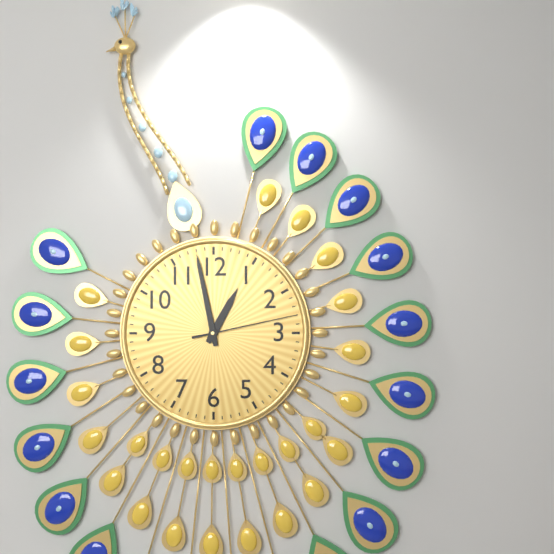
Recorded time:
{"hour": 12, "minute": 58, "second": 13}
